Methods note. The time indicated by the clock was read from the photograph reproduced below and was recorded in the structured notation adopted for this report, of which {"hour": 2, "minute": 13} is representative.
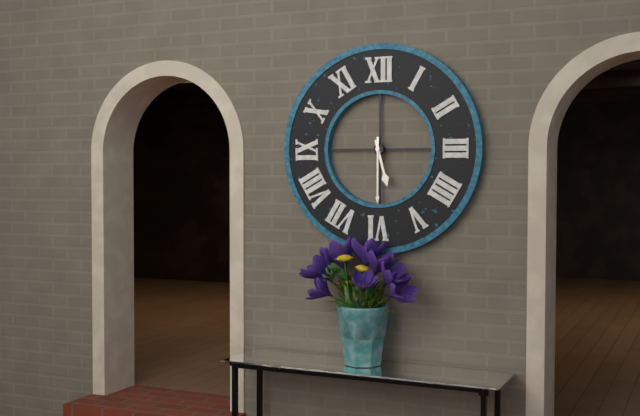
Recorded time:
{"hour": 5, "minute": 30}
